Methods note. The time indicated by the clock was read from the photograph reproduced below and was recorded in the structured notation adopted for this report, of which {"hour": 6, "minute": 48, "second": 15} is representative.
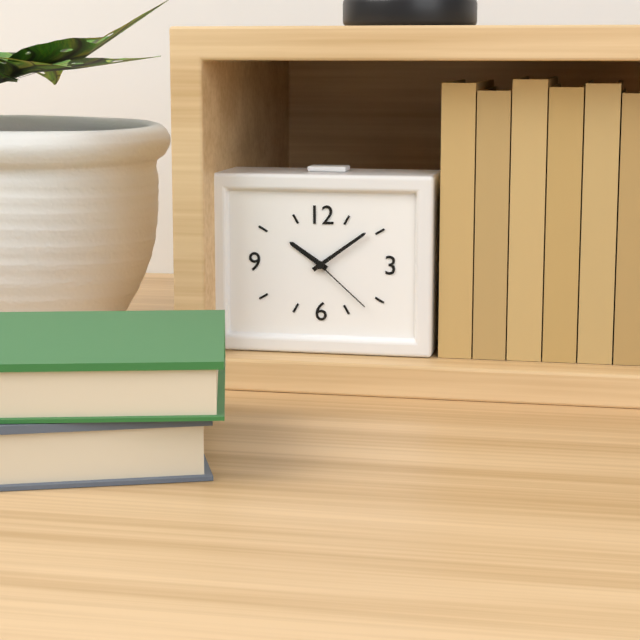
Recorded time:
{"hour": 10, "minute": 9, "second": 22}
